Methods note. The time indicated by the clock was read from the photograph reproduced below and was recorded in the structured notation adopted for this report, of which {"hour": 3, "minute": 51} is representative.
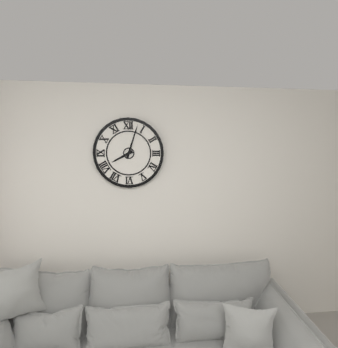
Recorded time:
{"hour": 8, "minute": 3}
